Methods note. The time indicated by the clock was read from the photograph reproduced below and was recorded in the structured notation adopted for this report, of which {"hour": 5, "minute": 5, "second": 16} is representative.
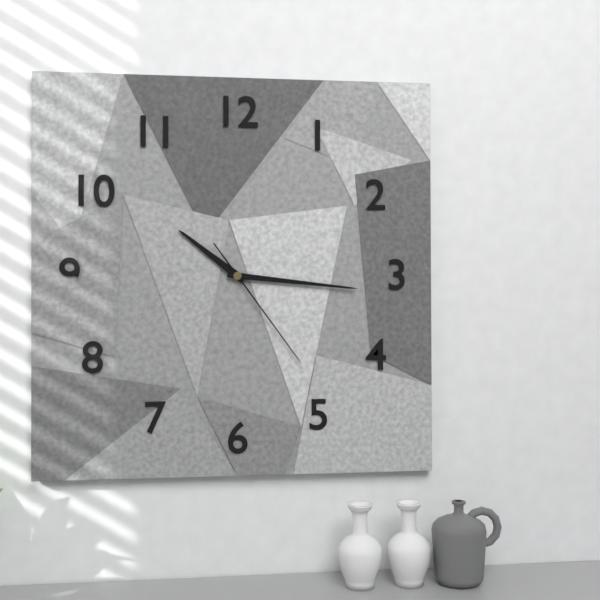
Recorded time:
{"hour": 10, "minute": 16, "second": 24}
